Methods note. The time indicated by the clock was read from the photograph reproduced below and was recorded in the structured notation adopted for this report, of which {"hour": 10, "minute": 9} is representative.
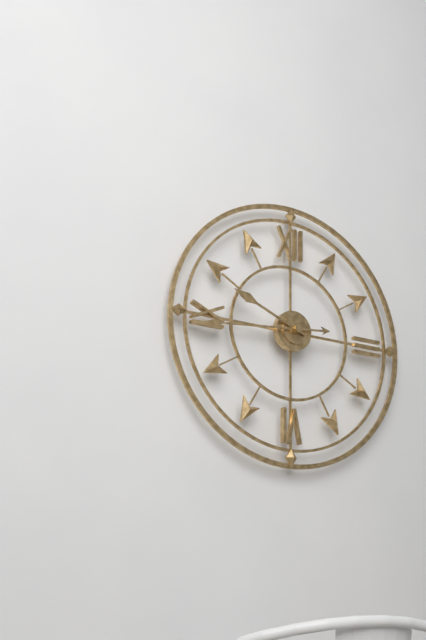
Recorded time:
{"hour": 9, "minute": 44}
